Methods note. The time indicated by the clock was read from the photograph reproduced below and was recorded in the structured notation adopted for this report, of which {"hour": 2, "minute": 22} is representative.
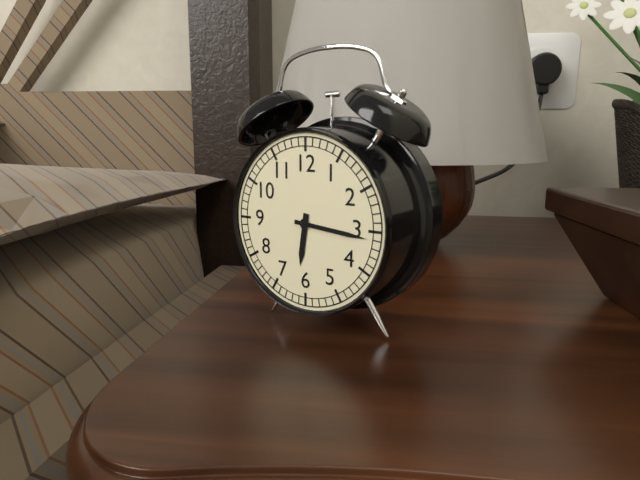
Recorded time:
{"hour": 6, "minute": 16}
